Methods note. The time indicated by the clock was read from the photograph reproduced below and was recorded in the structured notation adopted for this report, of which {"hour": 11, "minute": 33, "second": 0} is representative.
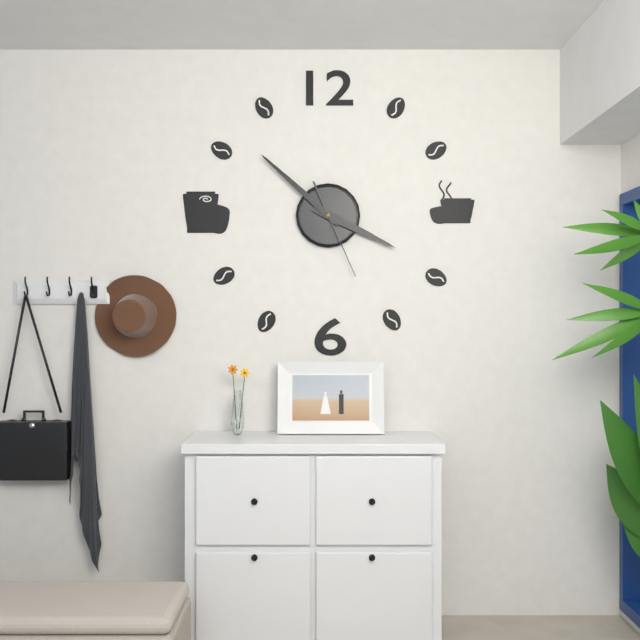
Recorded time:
{"hour": 3, "minute": 52, "second": 26}
